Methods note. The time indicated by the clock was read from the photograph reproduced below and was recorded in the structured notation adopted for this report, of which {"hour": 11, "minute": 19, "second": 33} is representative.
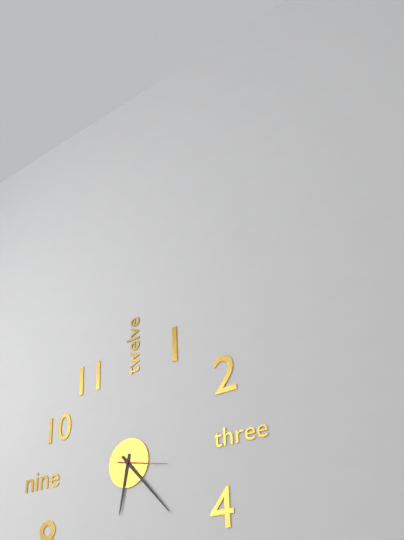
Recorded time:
{"hour": 6, "minute": 23, "second": 17}
